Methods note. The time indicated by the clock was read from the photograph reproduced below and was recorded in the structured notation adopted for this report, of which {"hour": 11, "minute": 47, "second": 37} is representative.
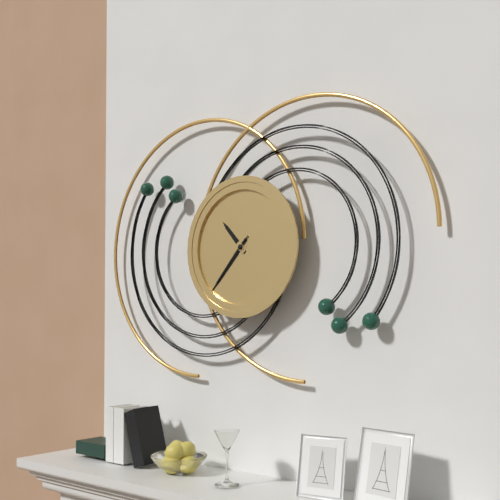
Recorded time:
{"hour": 10, "minute": 37, "second": 37}
